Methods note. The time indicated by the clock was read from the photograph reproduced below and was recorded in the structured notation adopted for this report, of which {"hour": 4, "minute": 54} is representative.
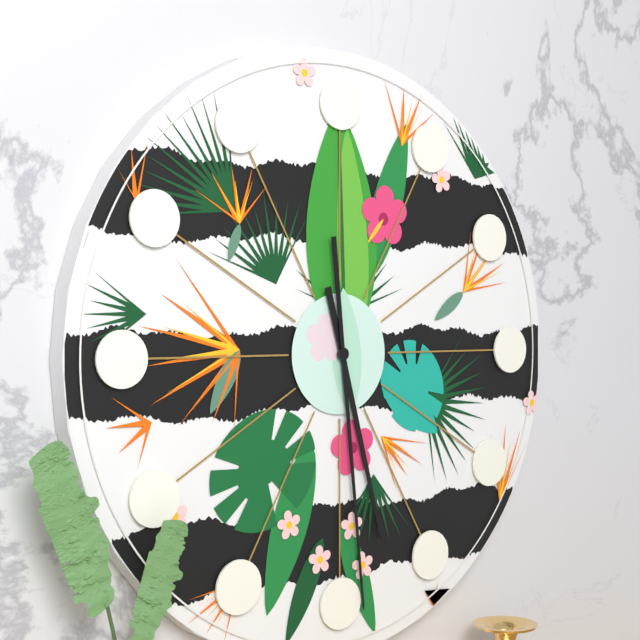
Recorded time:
{"hour": 5, "minute": 29}
